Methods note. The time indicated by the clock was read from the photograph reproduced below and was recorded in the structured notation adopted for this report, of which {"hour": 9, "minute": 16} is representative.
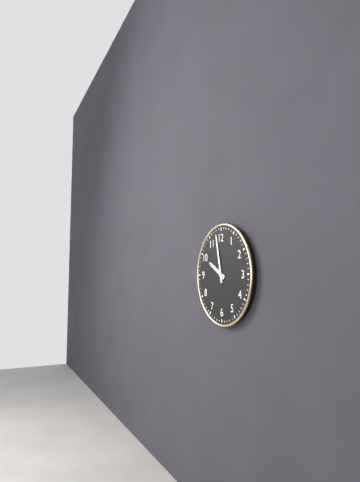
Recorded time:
{"hour": 9, "minute": 58}
